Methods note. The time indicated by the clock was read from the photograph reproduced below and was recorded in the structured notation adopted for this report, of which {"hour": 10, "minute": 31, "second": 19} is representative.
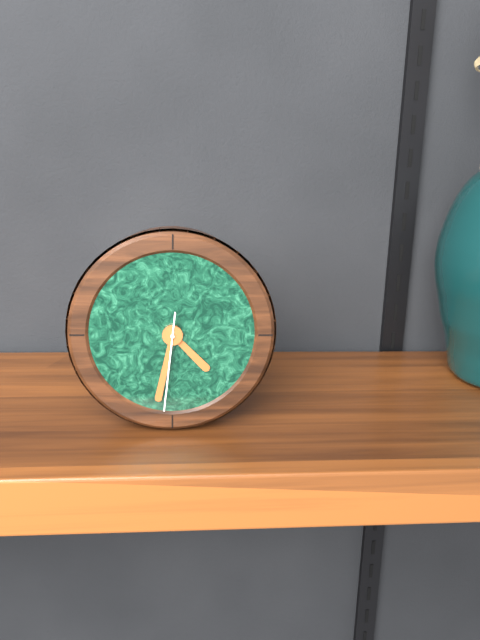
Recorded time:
{"hour": 4, "minute": 32, "second": 31}
